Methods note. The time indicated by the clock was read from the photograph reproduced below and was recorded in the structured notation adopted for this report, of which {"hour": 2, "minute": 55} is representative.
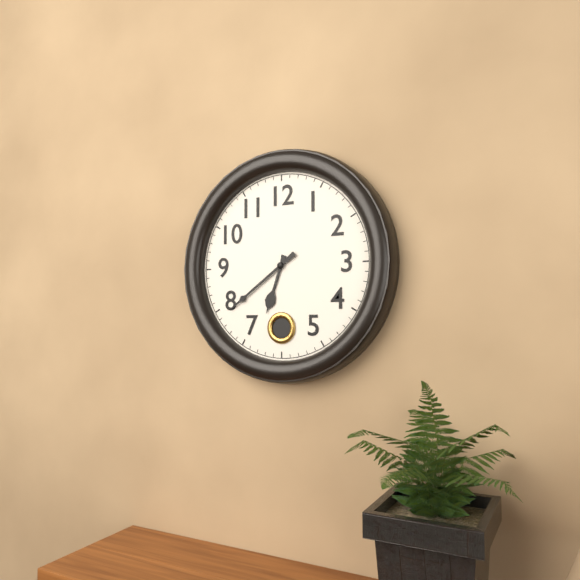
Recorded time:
{"hour": 6, "minute": 39}
